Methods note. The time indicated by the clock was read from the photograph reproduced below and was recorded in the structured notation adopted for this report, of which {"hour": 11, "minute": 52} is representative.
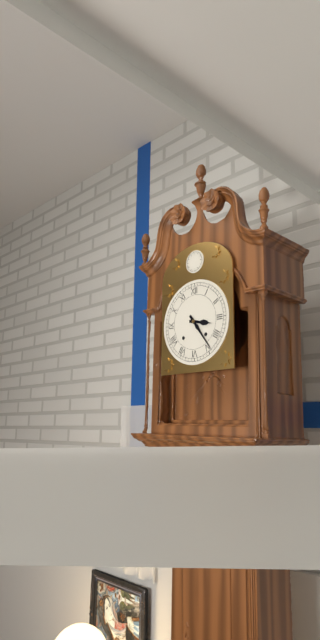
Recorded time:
{"hour": 3, "minute": 24}
